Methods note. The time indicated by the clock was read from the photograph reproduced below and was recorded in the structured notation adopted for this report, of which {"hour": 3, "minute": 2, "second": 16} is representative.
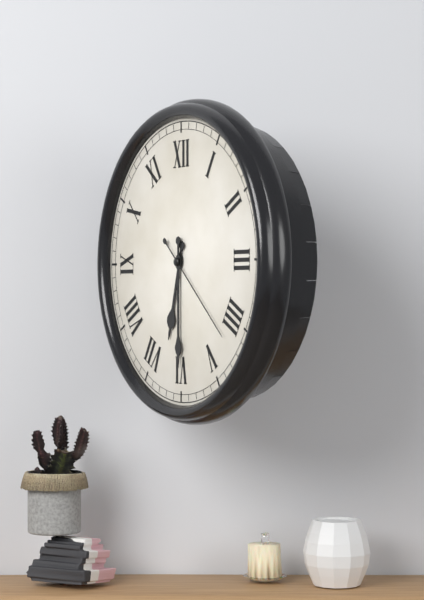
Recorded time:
{"hour": 6, "minute": 30, "second": 22}
